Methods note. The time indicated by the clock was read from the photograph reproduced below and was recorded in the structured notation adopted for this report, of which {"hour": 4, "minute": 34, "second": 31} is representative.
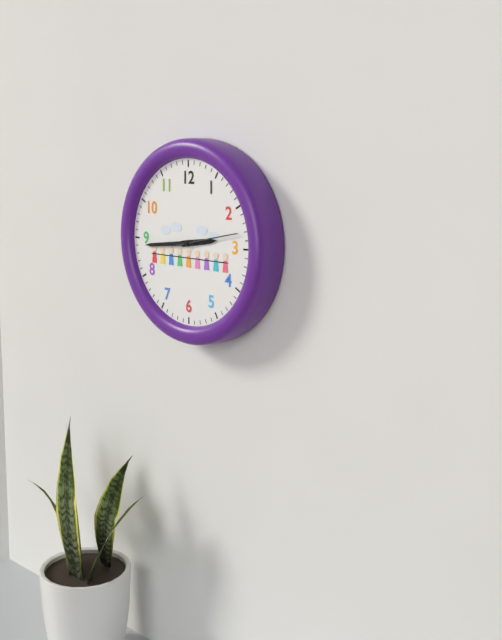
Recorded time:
{"hour": 2, "minute": 44, "second": 13}
